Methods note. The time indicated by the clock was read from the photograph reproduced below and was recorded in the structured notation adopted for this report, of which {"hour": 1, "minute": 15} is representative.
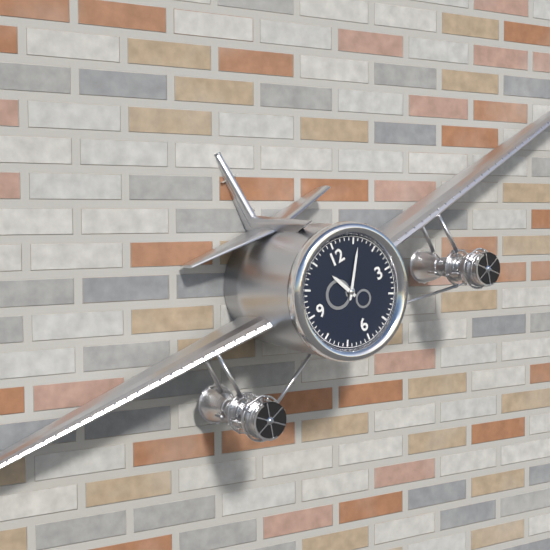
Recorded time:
{"hour": 11, "minute": 6}
